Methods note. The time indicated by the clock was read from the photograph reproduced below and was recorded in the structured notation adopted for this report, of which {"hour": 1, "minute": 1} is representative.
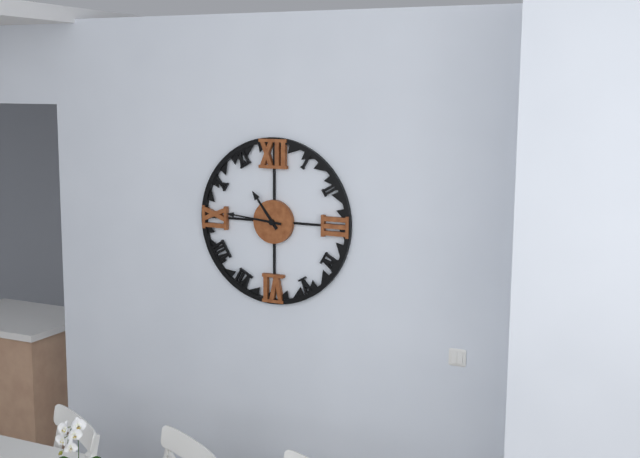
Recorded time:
{"hour": 10, "minute": 46}
